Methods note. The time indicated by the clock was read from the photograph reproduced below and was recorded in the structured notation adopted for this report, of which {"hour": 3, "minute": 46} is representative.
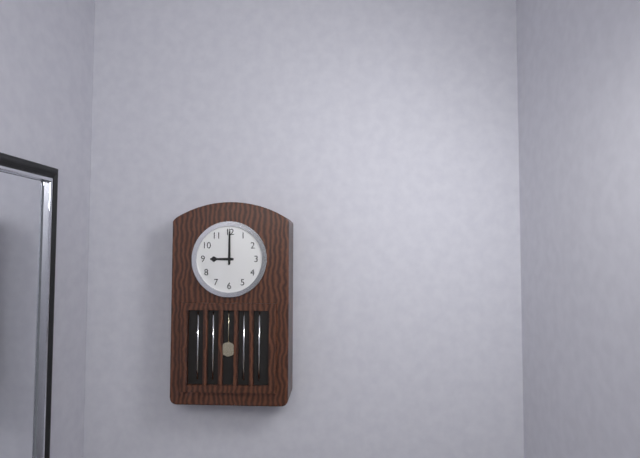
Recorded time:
{"hour": 9, "minute": 0}
